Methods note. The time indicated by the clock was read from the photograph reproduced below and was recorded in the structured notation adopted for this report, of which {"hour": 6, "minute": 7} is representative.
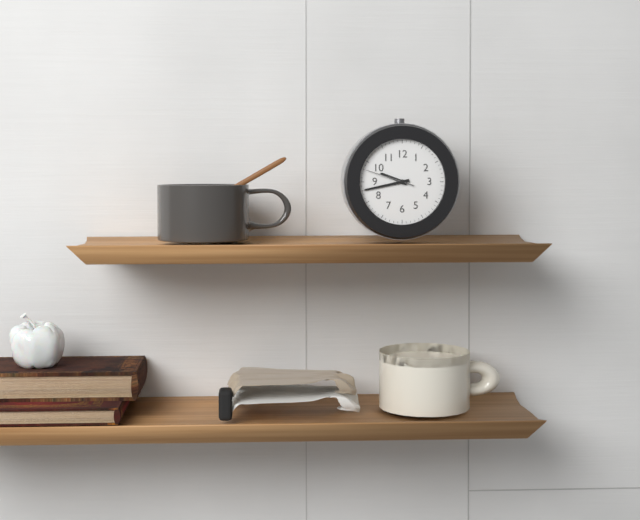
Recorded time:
{"hour": 9, "minute": 43}
